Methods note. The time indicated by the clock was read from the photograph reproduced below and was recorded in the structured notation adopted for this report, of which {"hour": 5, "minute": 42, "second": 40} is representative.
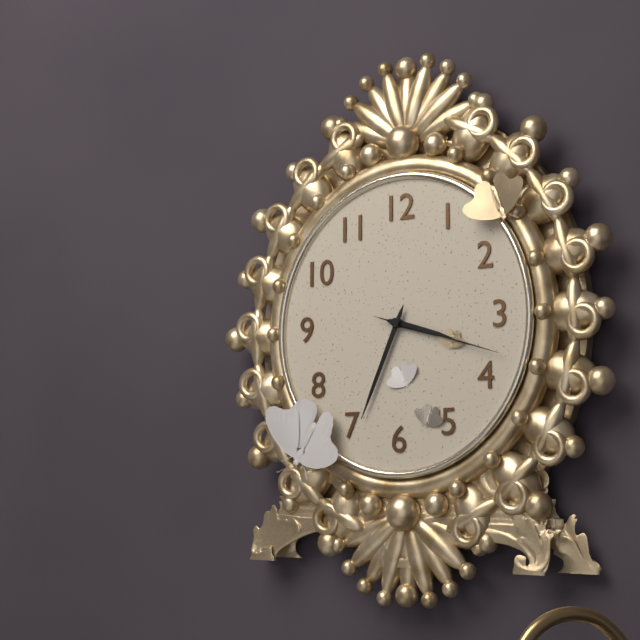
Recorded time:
{"hour": 3, "minute": 34, "second": 18}
